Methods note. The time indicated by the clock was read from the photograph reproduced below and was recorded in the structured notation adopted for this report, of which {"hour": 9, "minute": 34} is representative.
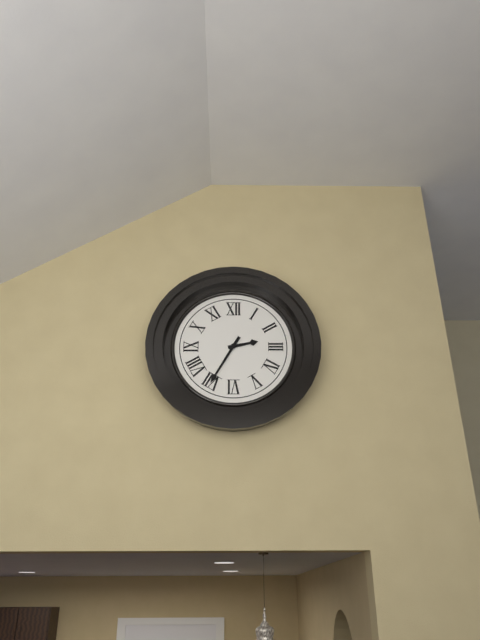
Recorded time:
{"hour": 2, "minute": 35}
